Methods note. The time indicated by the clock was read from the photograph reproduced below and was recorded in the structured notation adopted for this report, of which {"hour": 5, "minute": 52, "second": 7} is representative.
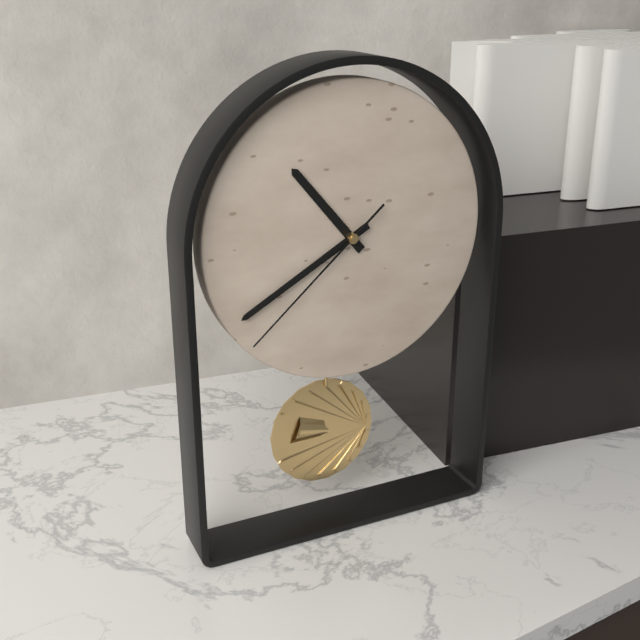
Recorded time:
{"hour": 10, "minute": 40, "second": 38}
